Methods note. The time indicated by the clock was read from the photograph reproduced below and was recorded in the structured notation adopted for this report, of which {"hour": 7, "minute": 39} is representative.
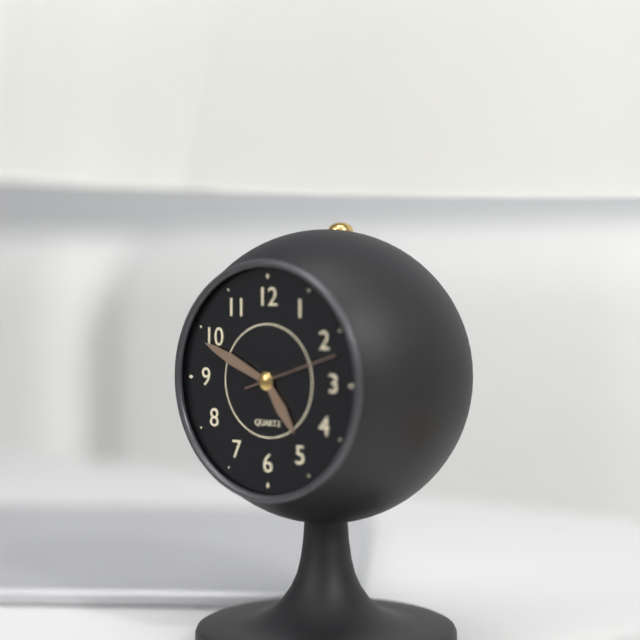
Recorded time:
{"hour": 4, "minute": 49}
